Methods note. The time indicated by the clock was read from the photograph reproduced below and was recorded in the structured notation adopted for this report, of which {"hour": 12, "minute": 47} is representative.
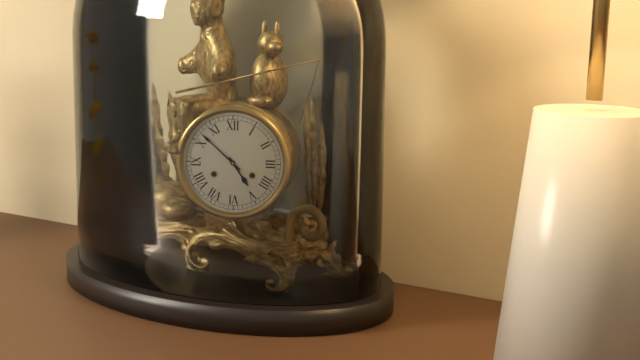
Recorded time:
{"hour": 4, "minute": 52}
